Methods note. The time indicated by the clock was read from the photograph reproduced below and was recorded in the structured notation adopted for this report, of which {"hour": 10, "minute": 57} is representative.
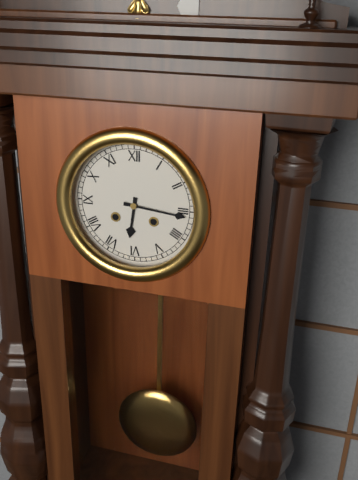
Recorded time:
{"hour": 6, "minute": 16}
